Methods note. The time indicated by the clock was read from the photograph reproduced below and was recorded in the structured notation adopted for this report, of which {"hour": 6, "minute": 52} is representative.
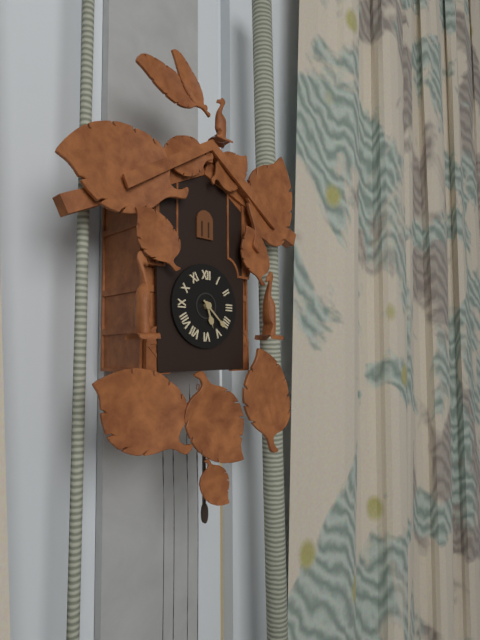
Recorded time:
{"hour": 5, "minute": 22}
